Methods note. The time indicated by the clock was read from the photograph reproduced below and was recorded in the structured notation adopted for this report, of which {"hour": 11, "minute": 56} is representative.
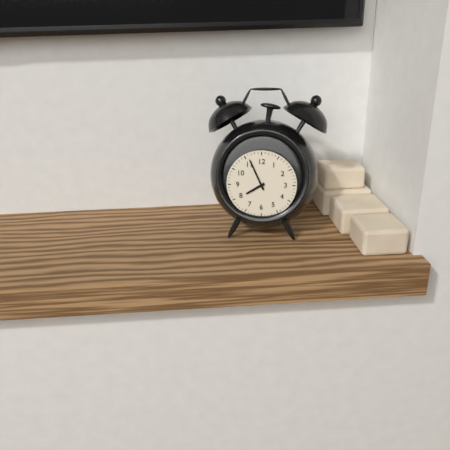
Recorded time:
{"hour": 7, "minute": 56}
